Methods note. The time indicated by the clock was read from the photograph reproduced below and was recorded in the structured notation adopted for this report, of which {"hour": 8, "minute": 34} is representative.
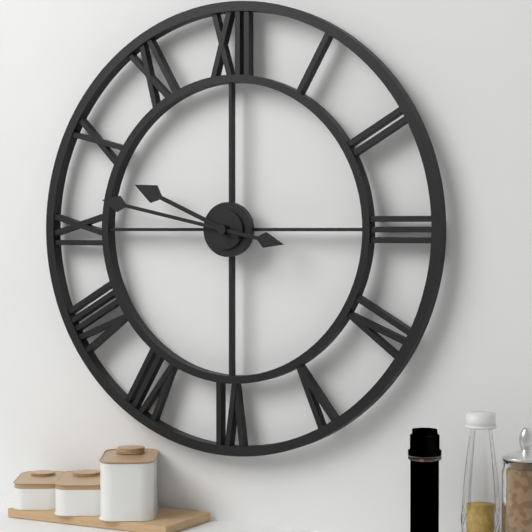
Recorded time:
{"hour": 9, "minute": 47}
